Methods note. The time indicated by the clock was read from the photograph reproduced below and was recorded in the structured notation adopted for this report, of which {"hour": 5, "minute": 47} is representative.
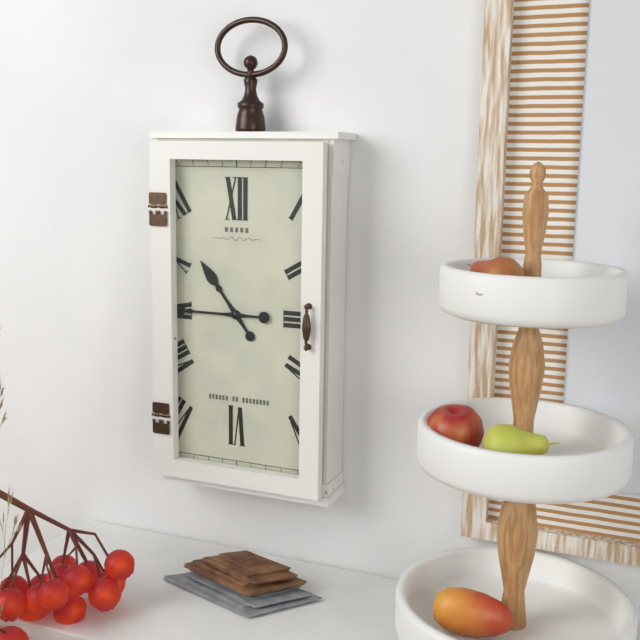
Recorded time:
{"hour": 10, "minute": 45}
